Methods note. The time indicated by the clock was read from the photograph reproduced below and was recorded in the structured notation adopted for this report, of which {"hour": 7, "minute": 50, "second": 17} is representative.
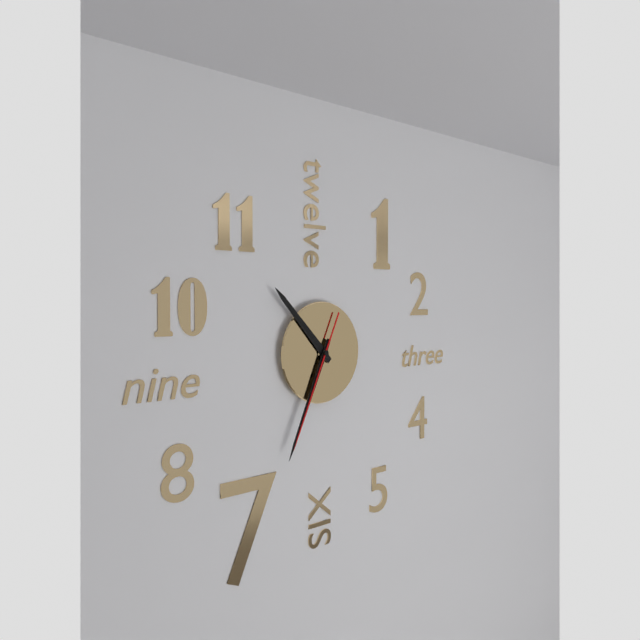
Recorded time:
{"hour": 10, "minute": 34, "second": 34}
